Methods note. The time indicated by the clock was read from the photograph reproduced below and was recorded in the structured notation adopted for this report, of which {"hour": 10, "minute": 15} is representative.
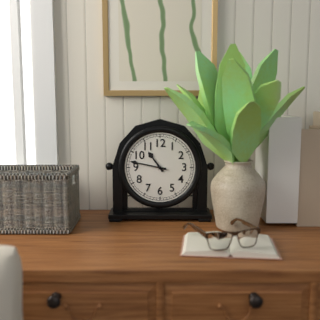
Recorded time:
{"hour": 10, "minute": 47}
